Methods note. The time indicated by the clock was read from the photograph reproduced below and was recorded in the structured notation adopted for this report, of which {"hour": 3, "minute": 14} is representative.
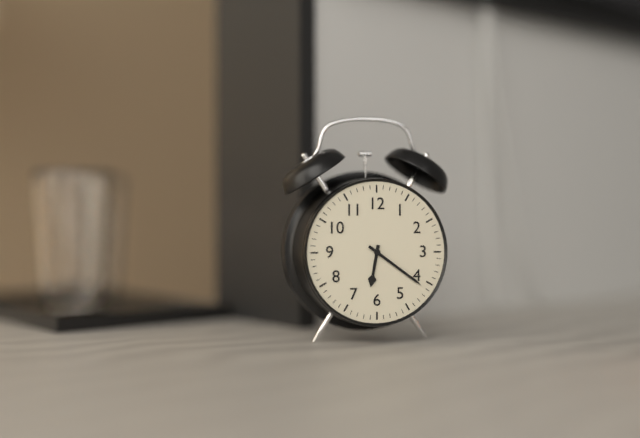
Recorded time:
{"hour": 6, "minute": 21}
